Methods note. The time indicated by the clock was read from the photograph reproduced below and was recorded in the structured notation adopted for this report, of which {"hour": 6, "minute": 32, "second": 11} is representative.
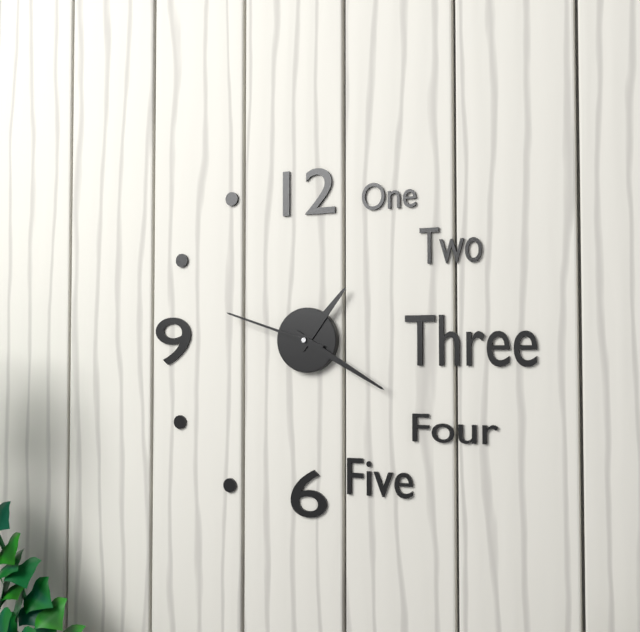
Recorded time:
{"hour": 1, "minute": 20, "second": 48}
